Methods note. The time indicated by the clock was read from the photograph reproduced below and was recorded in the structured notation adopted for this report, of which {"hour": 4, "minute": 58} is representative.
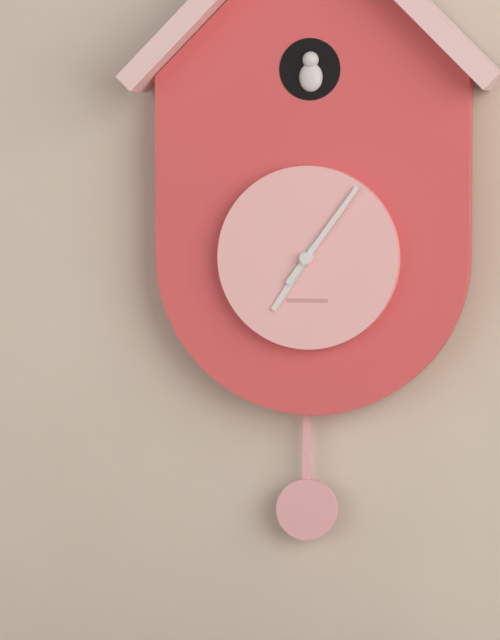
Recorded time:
{"hour": 7, "minute": 6}
